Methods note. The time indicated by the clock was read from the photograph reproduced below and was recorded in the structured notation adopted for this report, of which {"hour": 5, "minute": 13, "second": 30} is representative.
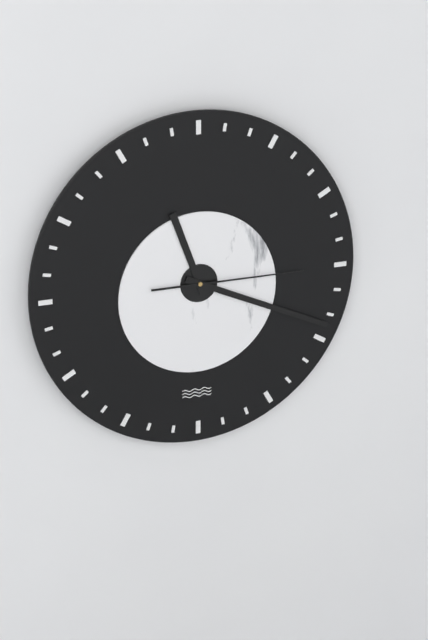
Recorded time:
{"hour": 11, "minute": 19, "second": 15}
